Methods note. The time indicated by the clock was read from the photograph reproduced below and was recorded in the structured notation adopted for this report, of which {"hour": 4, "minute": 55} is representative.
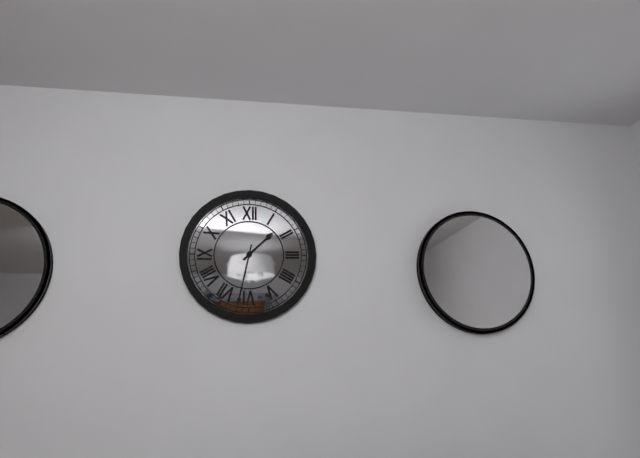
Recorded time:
{"hour": 1, "minute": 32}
